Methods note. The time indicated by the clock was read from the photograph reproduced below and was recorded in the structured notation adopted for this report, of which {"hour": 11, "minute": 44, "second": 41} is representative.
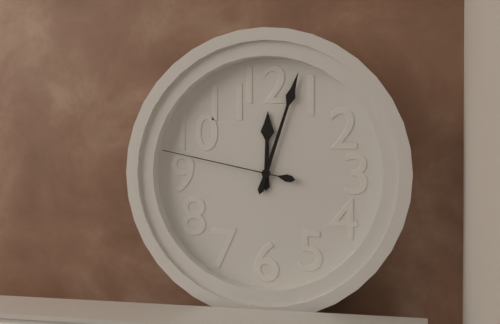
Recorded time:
{"hour": 12, "minute": 3, "second": 47}
